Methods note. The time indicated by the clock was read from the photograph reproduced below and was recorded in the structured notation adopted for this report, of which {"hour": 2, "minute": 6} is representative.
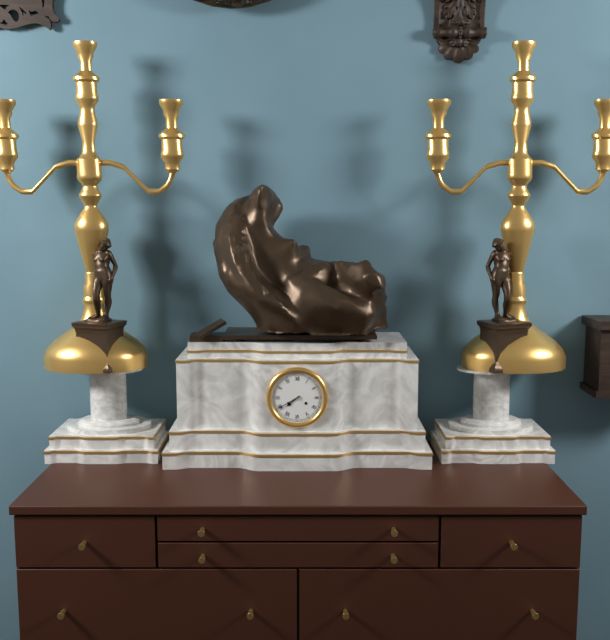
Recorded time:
{"hour": 7, "minute": 40}
